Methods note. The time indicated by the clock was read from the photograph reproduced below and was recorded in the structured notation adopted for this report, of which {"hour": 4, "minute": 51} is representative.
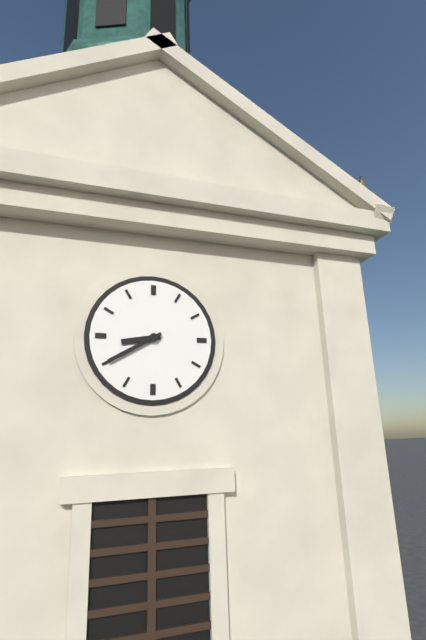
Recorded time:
{"hour": 8, "minute": 40}
